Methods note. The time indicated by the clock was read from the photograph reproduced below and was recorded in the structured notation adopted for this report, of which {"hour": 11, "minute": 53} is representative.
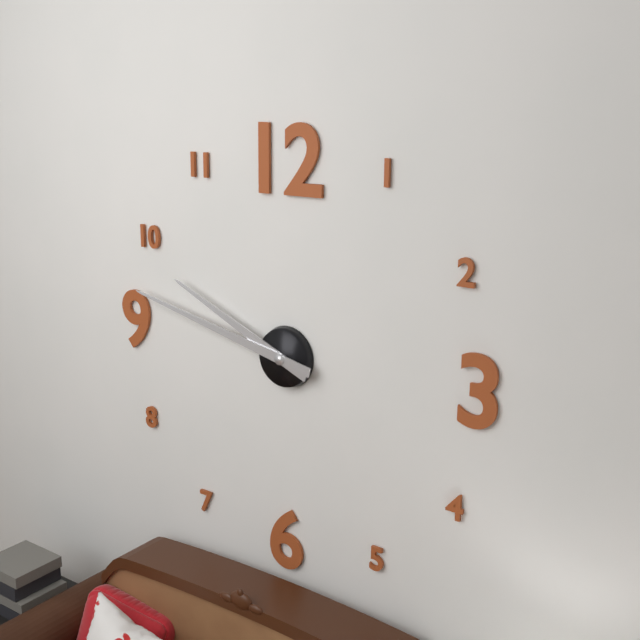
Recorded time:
{"hour": 9, "minute": 47}
